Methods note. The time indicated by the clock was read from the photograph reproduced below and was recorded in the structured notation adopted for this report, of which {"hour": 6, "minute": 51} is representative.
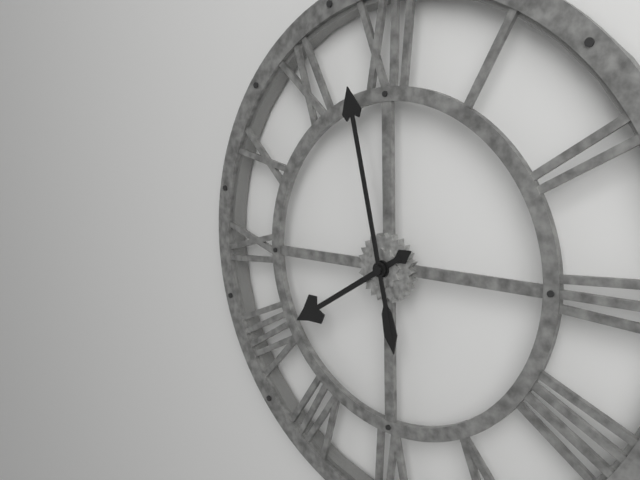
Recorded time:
{"hour": 7, "minute": 58}
